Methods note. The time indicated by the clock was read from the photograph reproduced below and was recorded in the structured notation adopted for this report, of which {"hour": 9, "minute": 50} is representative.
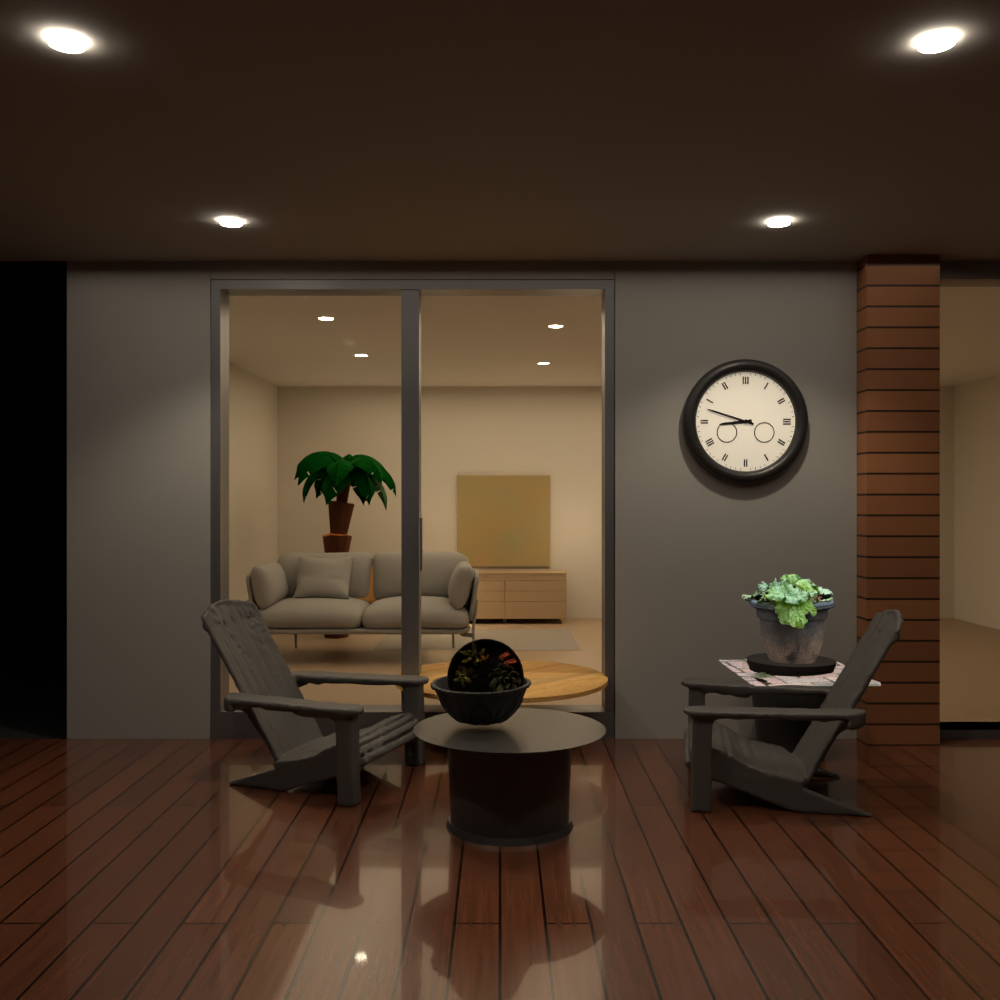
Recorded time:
{"hour": 8, "minute": 48}
